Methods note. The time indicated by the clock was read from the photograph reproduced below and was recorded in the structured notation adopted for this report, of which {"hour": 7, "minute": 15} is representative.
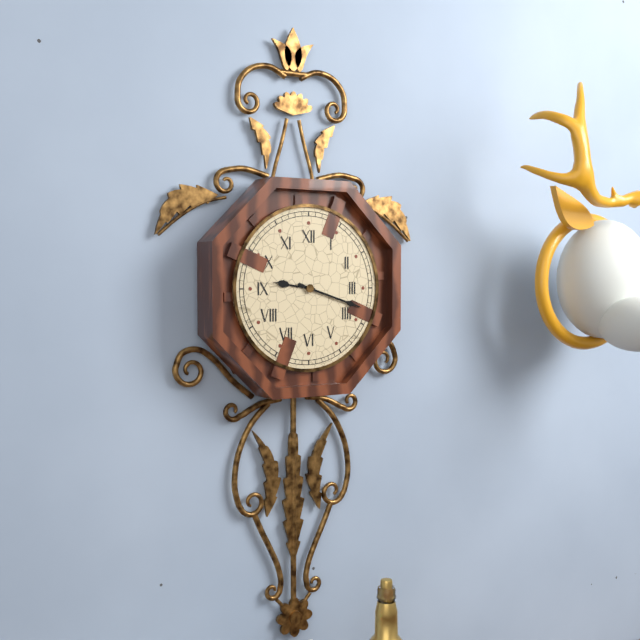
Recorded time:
{"hour": 9, "minute": 18}
